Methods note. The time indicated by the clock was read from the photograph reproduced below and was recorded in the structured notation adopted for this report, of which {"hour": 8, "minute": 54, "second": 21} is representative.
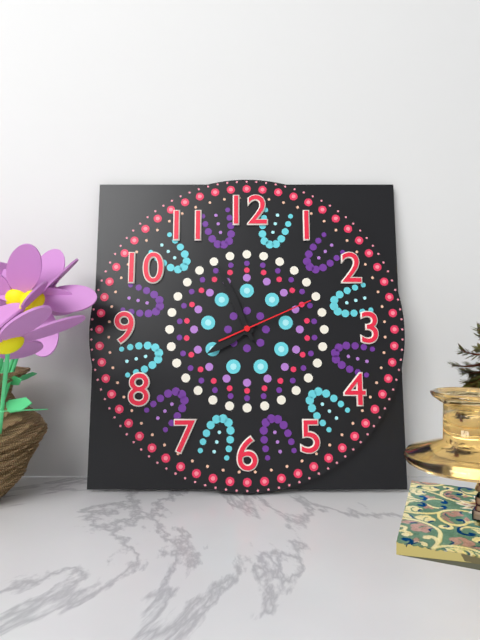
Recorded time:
{"hour": 7, "minute": 56, "second": 11}
